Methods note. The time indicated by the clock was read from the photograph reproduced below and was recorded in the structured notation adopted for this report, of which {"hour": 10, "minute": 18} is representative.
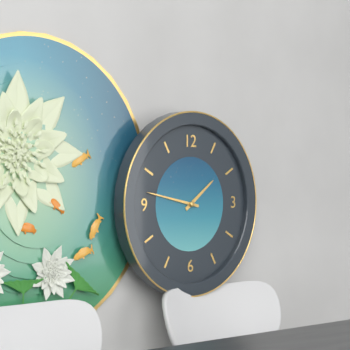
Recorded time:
{"hour": 1, "minute": 47}
